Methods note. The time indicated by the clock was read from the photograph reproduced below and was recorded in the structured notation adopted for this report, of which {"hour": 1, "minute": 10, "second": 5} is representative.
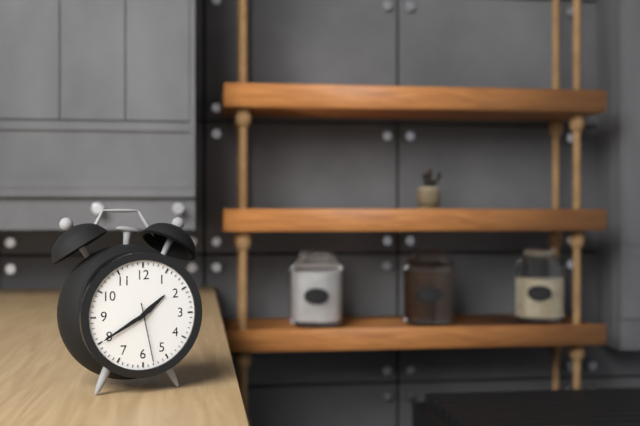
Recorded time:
{"hour": 1, "minute": 40, "second": 28}
